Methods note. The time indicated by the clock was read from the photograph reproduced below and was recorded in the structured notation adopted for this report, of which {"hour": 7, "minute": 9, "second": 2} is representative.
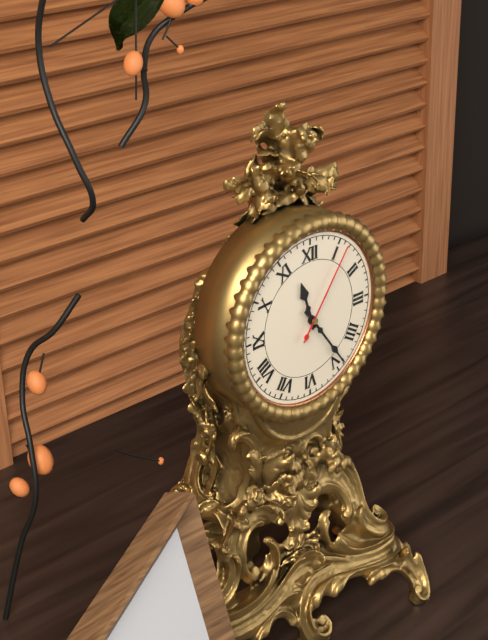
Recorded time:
{"hour": 11, "minute": 24, "second": 6}
